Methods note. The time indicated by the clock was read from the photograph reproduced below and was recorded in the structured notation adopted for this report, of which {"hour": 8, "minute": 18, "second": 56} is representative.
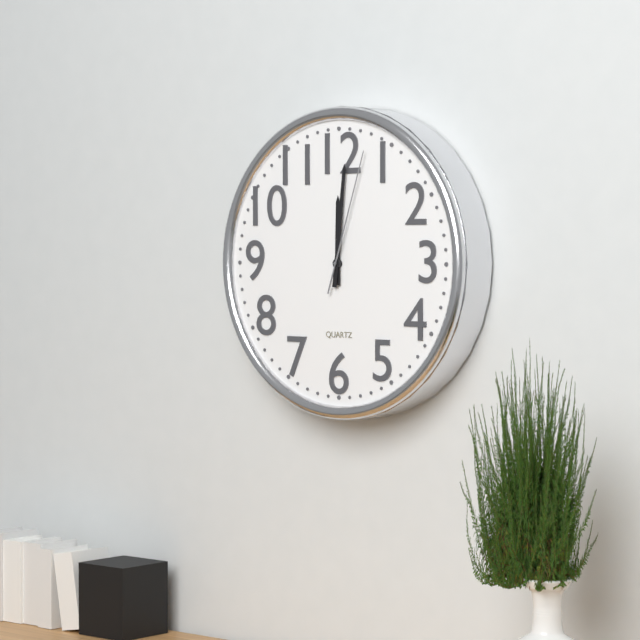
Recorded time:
{"hour": 12, "minute": 1, "second": 3}
